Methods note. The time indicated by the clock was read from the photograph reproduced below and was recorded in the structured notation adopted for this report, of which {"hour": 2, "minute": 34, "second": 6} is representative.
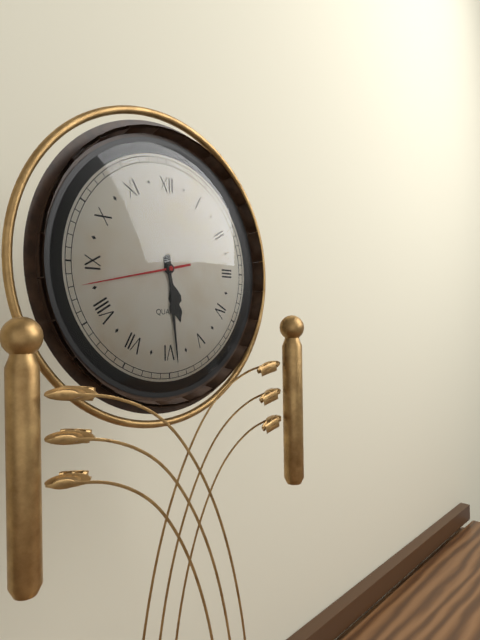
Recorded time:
{"hour": 5, "minute": 29, "second": 43}
